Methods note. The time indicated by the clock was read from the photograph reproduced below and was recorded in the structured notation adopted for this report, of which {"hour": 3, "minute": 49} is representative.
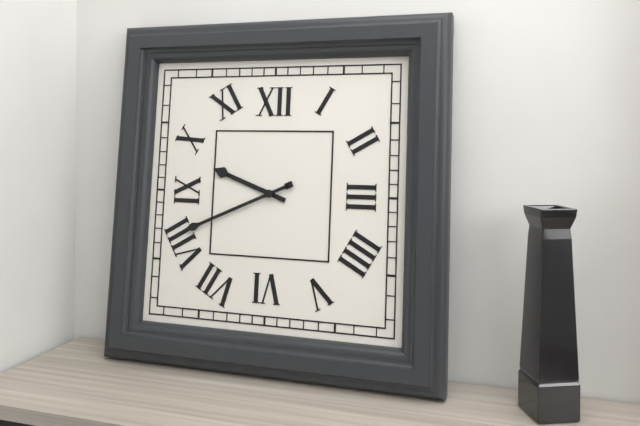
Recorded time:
{"hour": 9, "minute": 41}
